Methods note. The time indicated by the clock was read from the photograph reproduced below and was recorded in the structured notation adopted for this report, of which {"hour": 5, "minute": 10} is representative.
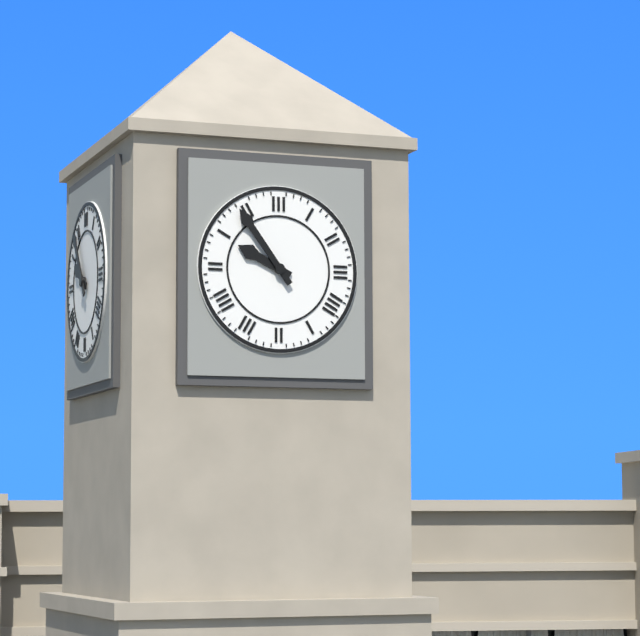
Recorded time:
{"hour": 9, "minute": 54}
